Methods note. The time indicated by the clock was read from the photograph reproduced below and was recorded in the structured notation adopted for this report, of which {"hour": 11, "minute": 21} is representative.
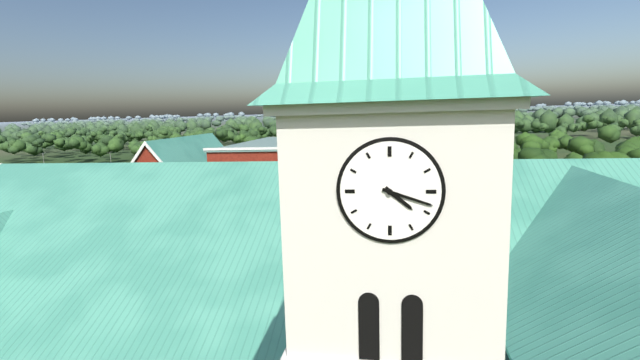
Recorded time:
{"hour": 4, "minute": 18}
